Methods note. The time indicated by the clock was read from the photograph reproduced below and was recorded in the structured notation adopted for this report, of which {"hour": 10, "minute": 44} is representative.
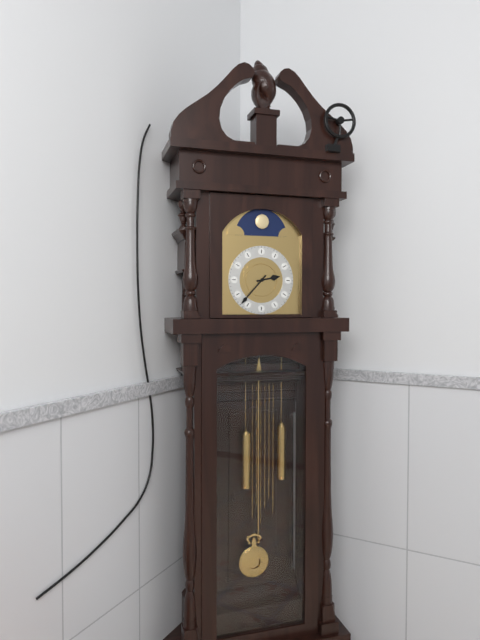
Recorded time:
{"hour": 2, "minute": 37}
